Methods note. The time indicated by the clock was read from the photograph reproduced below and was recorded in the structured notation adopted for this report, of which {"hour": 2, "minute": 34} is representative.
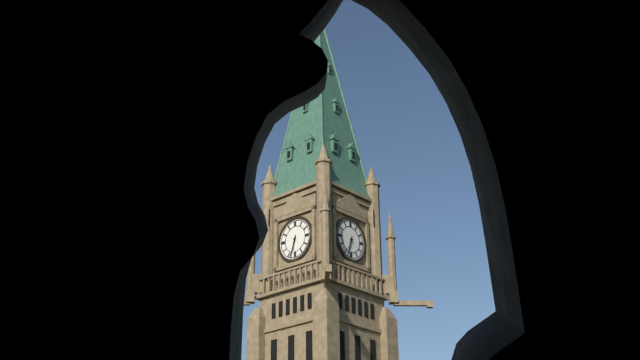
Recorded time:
{"hour": 6, "minute": 33}
